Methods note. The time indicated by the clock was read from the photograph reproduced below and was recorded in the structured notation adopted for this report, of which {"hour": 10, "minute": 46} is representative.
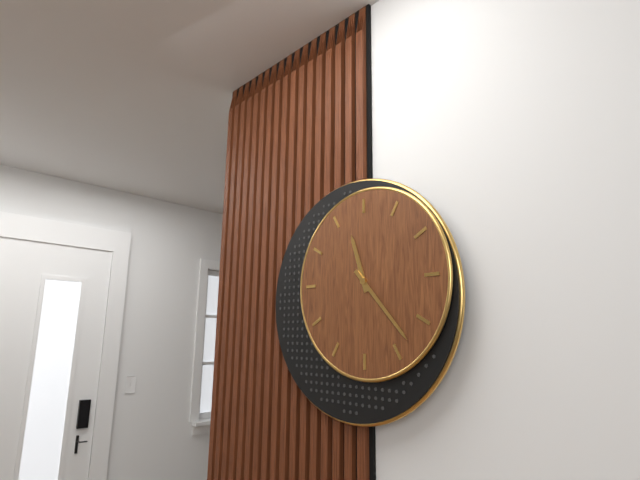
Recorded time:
{"hour": 11, "minute": 23}
